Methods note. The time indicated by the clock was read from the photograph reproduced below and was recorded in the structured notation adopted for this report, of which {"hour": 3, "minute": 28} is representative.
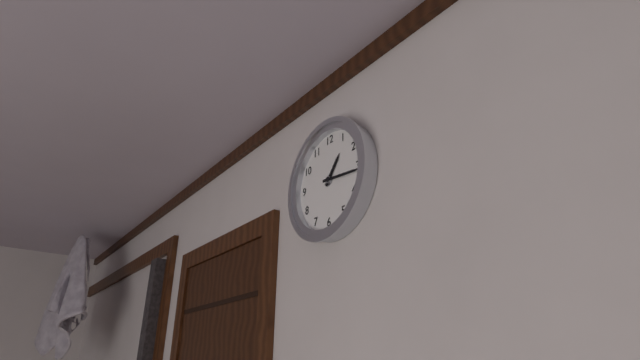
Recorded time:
{"hour": 1, "minute": 16}
